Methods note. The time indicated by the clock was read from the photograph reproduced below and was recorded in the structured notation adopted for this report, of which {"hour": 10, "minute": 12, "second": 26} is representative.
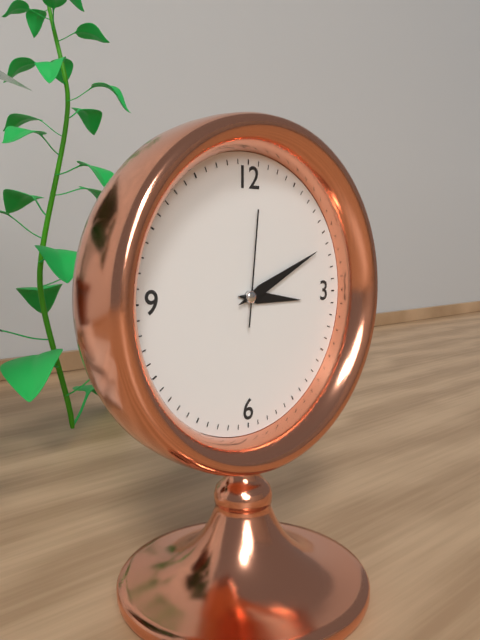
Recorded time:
{"hour": 3, "minute": 11, "second": 1}
